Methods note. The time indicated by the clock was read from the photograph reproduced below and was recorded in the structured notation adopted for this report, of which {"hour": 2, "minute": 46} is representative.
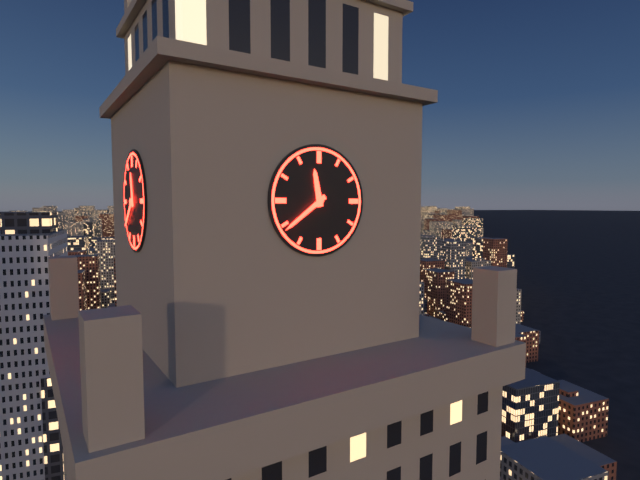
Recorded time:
{"hour": 11, "minute": 39}
